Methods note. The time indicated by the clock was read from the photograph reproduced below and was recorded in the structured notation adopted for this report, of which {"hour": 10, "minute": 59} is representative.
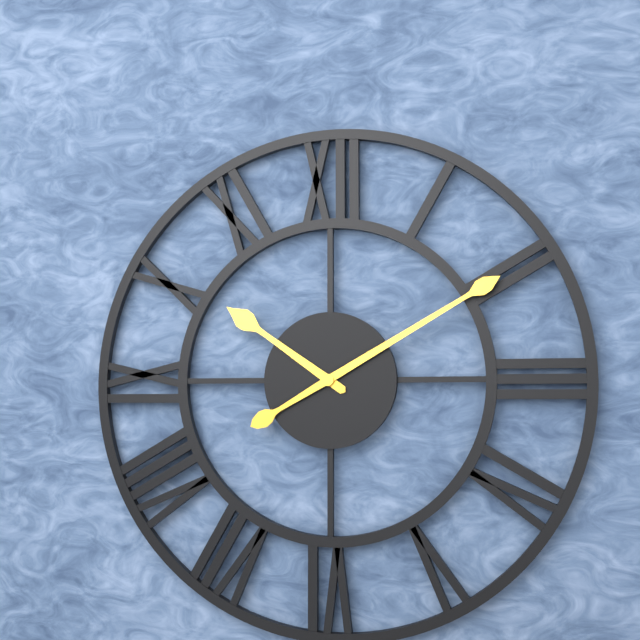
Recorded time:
{"hour": 10, "minute": 10}
